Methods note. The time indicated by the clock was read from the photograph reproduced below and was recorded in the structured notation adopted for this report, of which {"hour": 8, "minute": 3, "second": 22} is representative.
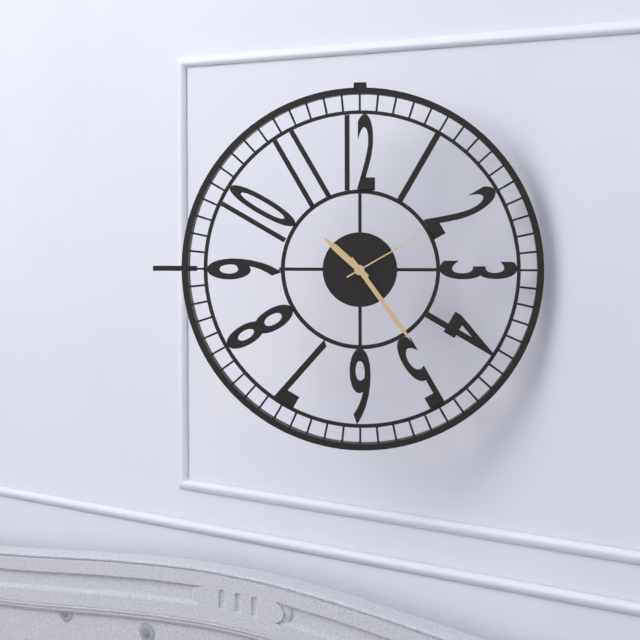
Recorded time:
{"hour": 10, "minute": 24, "second": 10}
